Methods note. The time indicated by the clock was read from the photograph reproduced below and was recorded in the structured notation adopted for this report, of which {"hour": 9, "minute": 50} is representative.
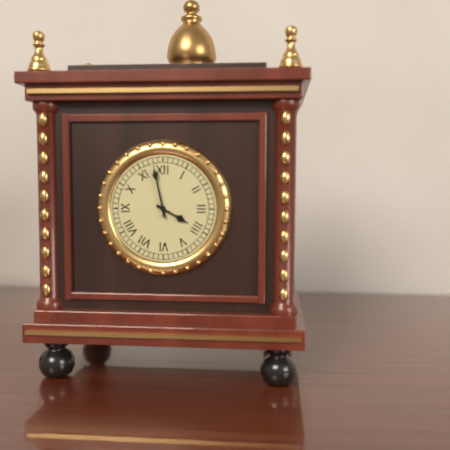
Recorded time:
{"hour": 3, "minute": 58}
